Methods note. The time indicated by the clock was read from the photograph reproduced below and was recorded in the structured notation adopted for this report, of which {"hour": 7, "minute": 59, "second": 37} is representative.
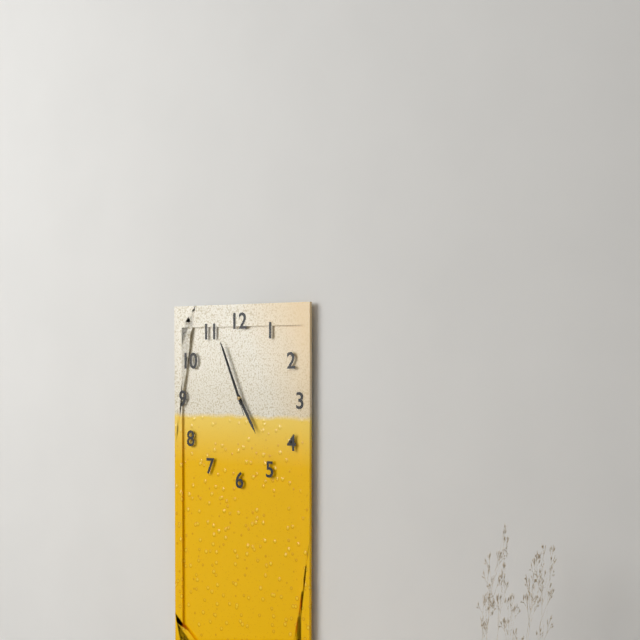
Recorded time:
{"hour": 4, "minute": 56, "second": 56}
